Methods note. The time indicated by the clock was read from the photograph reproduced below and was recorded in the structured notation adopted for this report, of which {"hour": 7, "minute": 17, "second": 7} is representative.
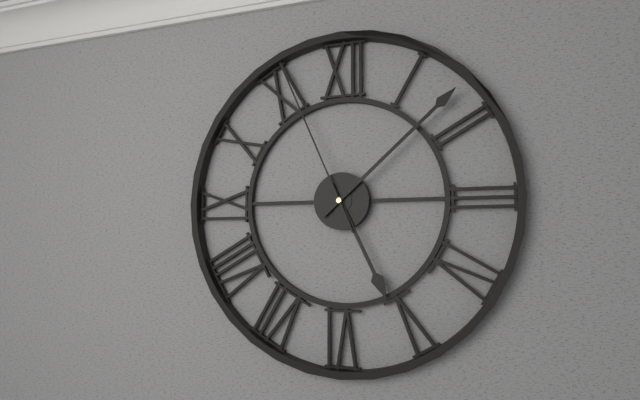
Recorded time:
{"hour": 5, "minute": 8, "second": 56}
